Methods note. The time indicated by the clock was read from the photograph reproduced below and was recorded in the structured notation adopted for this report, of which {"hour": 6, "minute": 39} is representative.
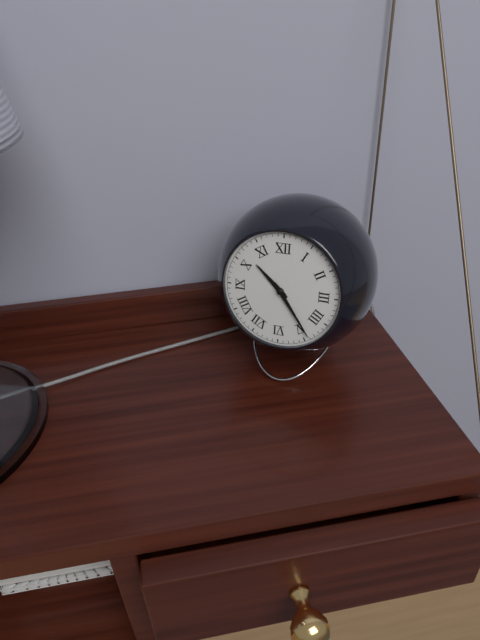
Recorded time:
{"hour": 10, "minute": 24}
